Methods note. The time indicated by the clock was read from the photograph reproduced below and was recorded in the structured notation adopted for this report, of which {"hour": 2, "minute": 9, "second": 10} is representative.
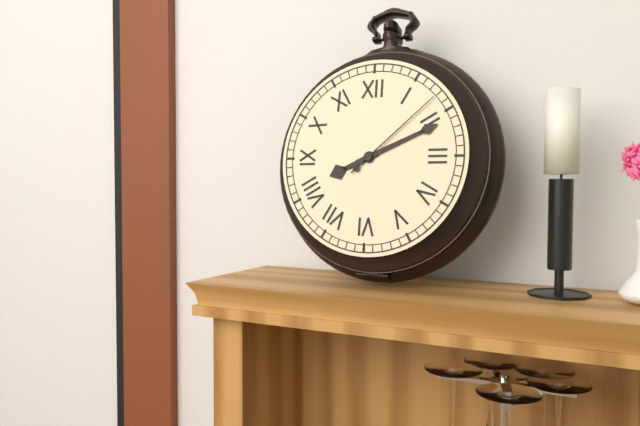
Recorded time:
{"hour": 8, "minute": 11, "second": 8}
